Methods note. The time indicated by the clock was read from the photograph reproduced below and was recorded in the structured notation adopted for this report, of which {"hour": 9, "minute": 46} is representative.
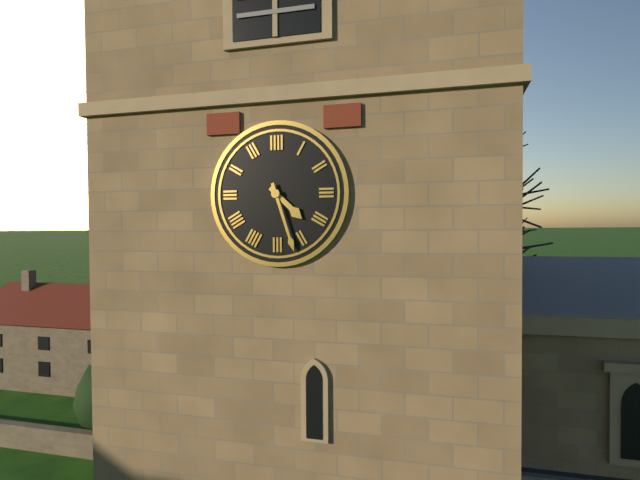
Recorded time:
{"hour": 4, "minute": 27}
